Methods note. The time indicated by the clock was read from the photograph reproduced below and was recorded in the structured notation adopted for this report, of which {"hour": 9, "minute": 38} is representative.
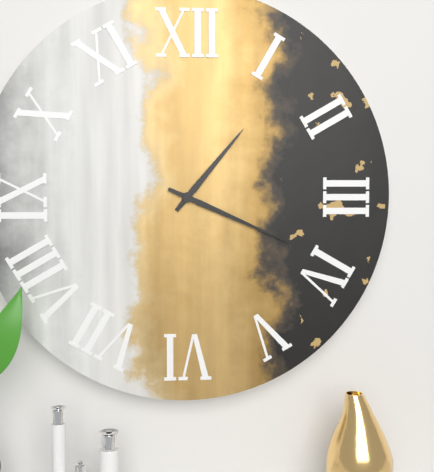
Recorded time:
{"hour": 1, "minute": 19}
